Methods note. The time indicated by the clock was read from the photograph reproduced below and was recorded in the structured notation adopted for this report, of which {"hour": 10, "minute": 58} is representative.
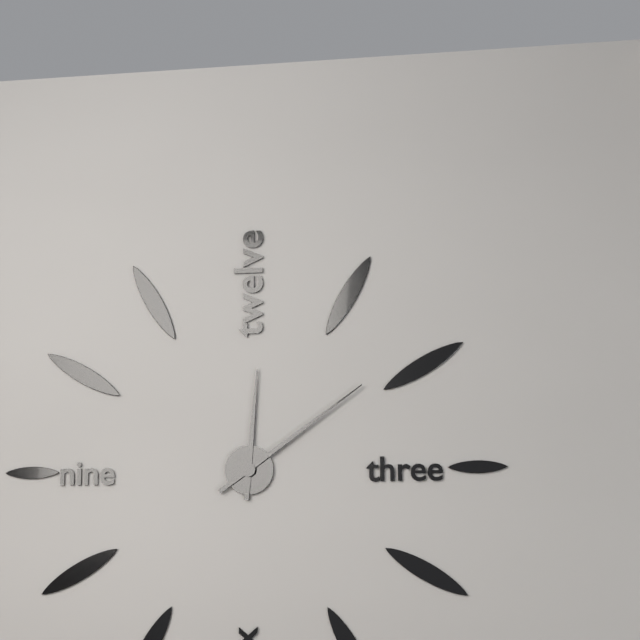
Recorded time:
{"hour": 12, "minute": 9}
